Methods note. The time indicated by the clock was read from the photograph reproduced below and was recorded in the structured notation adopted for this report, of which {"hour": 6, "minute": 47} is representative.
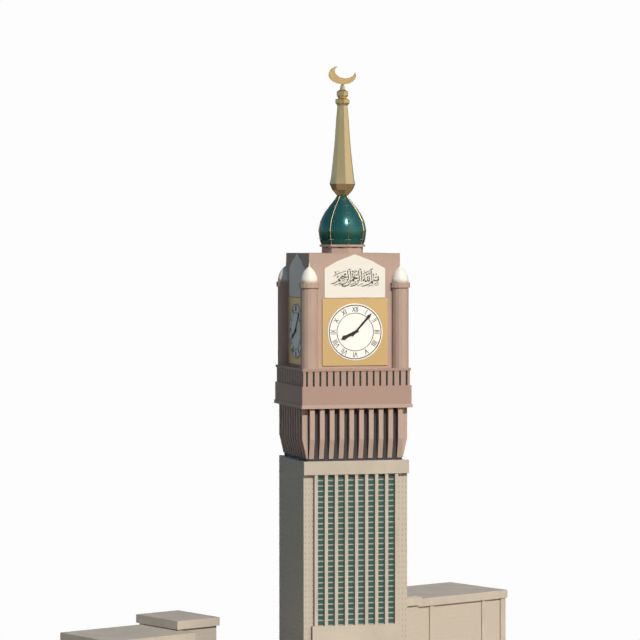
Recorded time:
{"hour": 8, "minute": 7}
